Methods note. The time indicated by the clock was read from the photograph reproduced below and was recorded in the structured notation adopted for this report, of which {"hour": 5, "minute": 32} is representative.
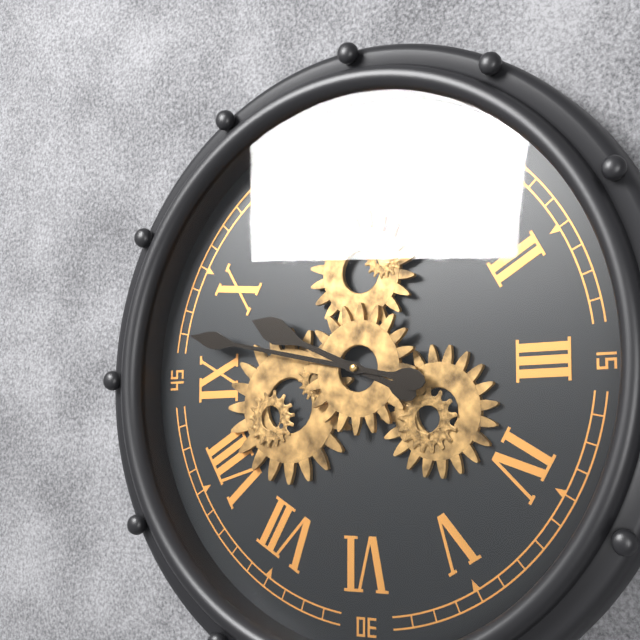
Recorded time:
{"hour": 9, "minute": 47}
